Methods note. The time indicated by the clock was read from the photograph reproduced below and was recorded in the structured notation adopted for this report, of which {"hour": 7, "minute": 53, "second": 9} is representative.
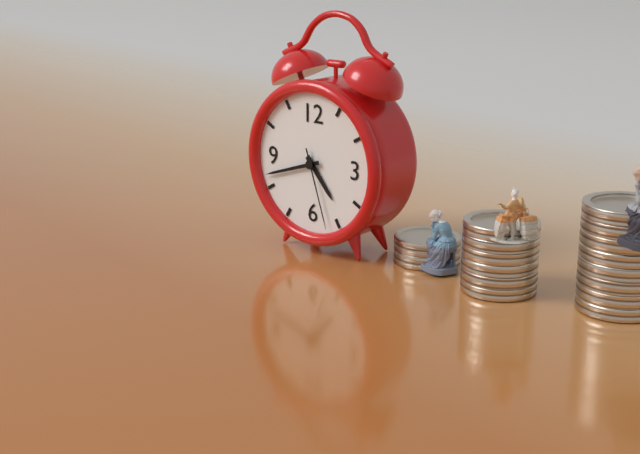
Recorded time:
{"hour": 4, "minute": 42, "second": 27}
